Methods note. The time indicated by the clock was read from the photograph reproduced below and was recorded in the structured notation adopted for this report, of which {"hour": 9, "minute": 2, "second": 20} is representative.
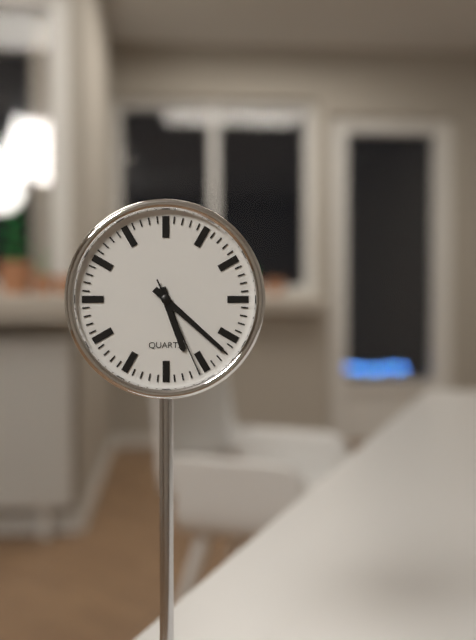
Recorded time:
{"hour": 5, "minute": 22, "second": 26}
